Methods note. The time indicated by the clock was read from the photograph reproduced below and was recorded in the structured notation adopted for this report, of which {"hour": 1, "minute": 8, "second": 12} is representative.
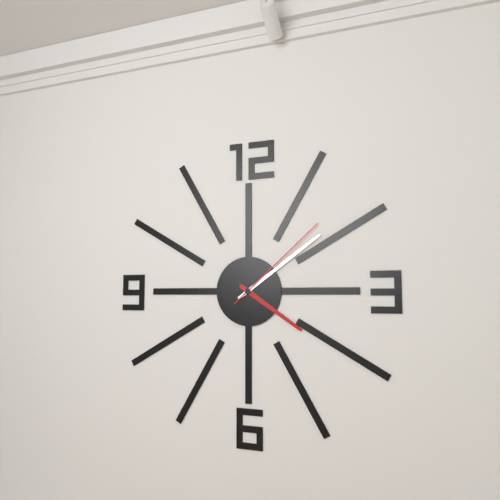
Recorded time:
{"hour": 4, "minute": 9, "second": 8}
